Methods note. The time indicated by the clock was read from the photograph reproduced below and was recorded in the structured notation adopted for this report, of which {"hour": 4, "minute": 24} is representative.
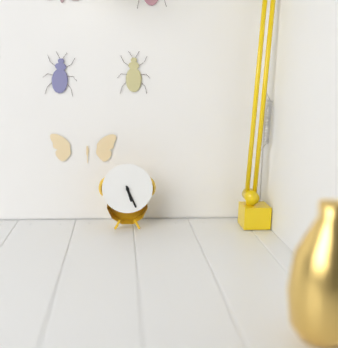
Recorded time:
{"hour": 5, "minute": 26}
